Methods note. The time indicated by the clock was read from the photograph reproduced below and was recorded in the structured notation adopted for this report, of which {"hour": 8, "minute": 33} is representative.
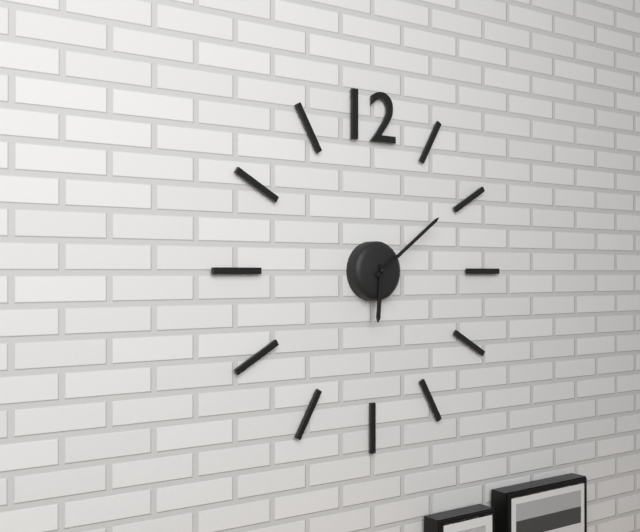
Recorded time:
{"hour": 6, "minute": 9}
